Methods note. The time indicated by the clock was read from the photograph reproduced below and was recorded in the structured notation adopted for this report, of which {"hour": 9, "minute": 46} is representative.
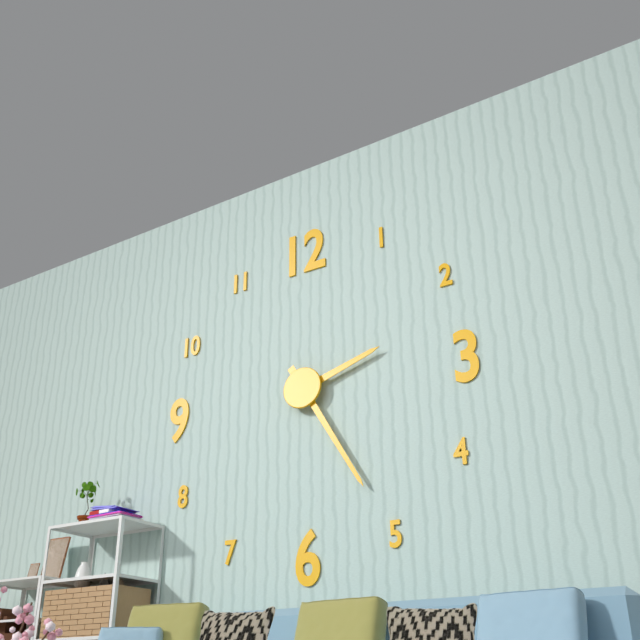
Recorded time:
{"hour": 2, "minute": 25}
